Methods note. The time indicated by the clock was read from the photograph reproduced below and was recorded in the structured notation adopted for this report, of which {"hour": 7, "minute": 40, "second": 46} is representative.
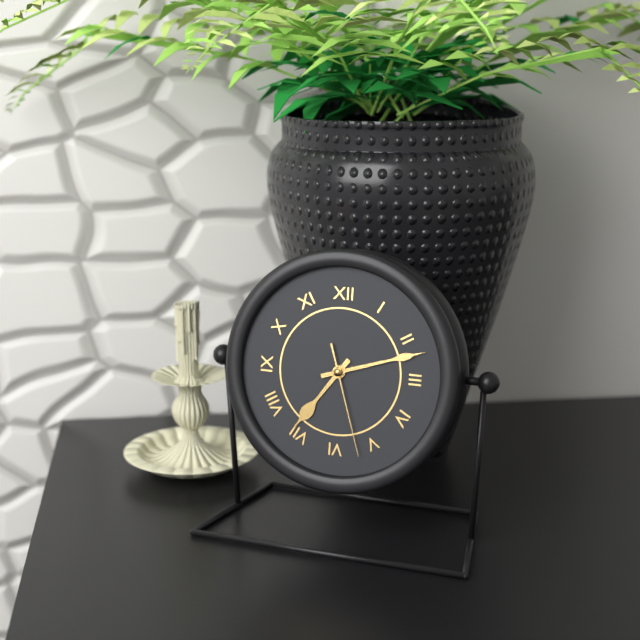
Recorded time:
{"hour": 7, "minute": 12, "second": 27}
